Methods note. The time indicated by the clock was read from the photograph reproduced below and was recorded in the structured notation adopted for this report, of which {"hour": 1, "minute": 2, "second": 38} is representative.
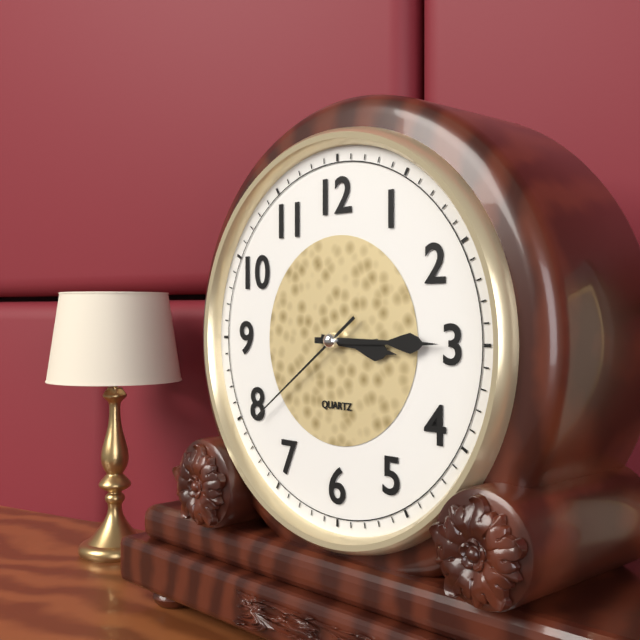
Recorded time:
{"hour": 3, "minute": 15, "second": 39}
